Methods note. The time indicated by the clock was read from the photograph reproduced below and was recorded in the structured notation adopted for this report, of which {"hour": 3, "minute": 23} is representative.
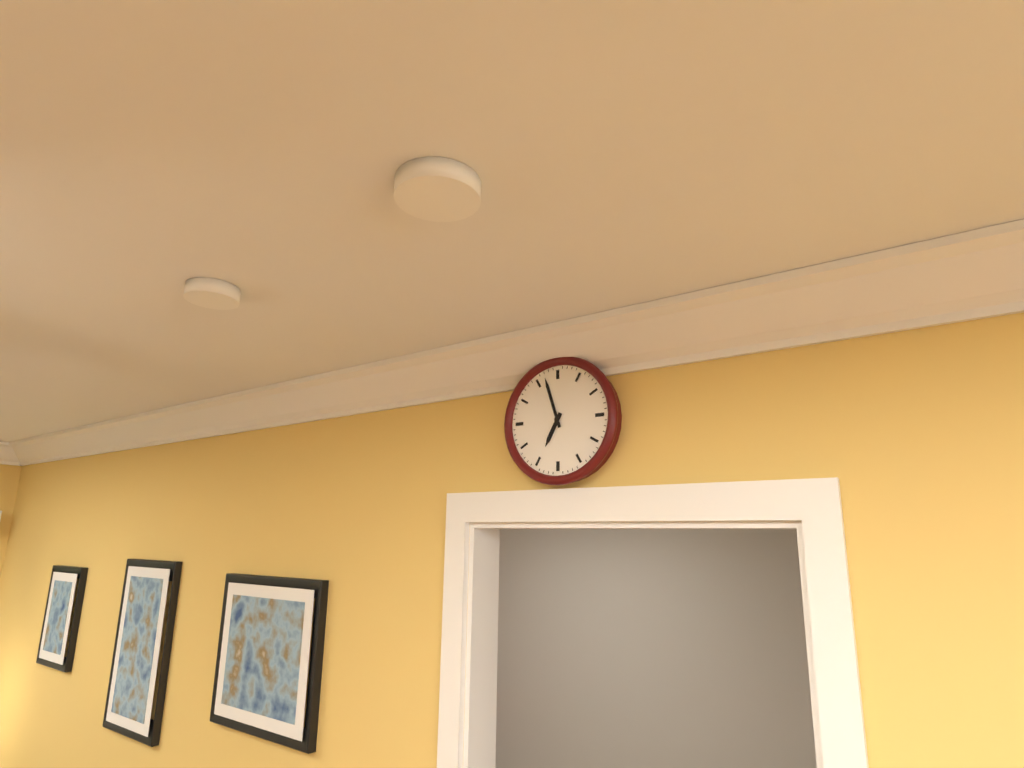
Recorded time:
{"hour": 6, "minute": 57}
